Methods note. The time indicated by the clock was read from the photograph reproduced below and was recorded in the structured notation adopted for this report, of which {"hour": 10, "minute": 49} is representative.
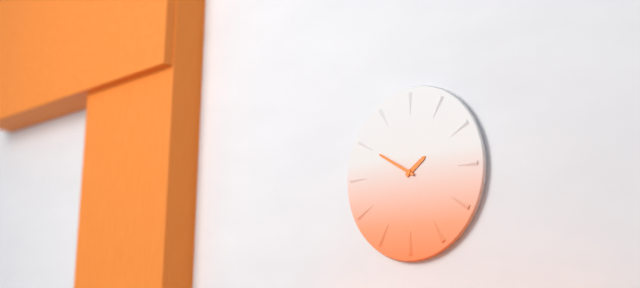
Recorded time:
{"hour": 1, "minute": 50}
